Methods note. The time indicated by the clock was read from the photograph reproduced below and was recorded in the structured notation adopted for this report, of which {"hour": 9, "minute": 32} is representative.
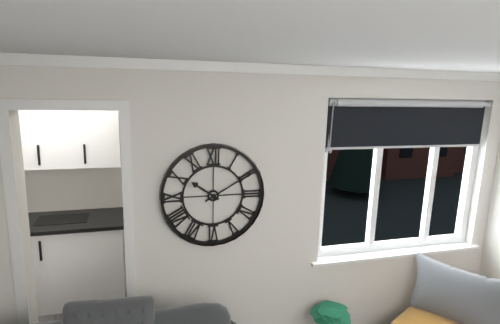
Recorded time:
{"hour": 10, "minute": 10}
